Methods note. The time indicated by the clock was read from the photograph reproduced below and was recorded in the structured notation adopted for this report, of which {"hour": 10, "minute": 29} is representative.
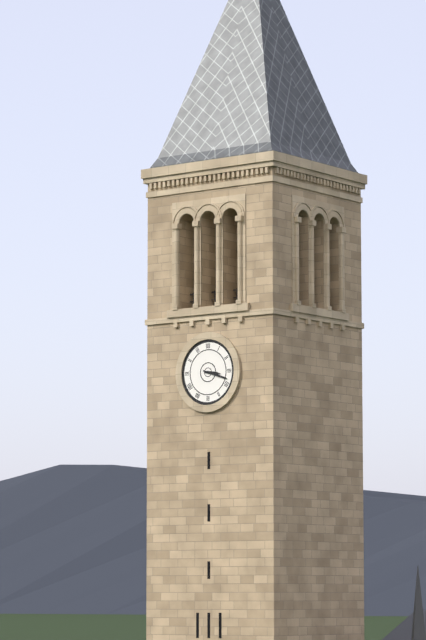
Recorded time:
{"hour": 3, "minute": 18}
